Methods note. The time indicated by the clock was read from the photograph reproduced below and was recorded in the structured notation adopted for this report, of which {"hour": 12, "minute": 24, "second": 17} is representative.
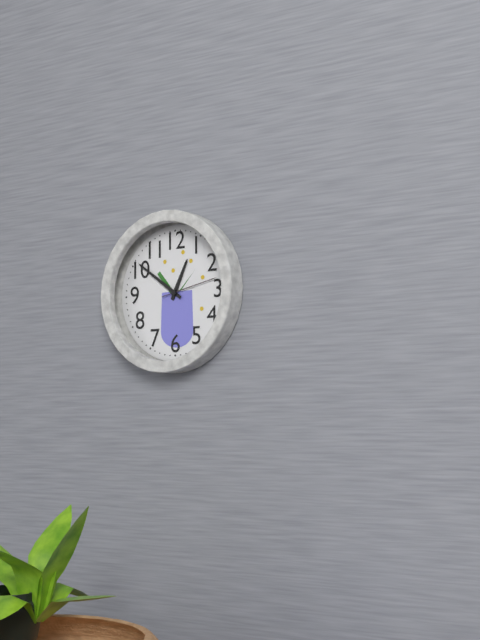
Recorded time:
{"hour": 12, "minute": 51, "second": 13}
